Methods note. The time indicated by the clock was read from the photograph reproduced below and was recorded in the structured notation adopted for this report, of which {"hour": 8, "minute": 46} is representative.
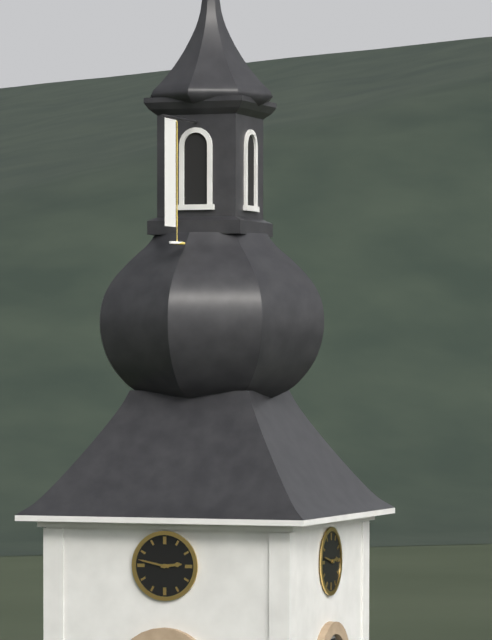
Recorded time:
{"hour": 2, "minute": 47}
